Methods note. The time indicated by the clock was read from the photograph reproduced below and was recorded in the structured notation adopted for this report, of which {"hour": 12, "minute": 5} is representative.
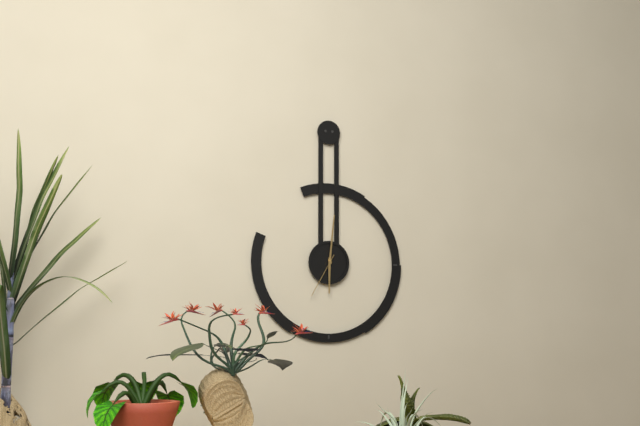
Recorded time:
{"hour": 6, "minute": 1}
